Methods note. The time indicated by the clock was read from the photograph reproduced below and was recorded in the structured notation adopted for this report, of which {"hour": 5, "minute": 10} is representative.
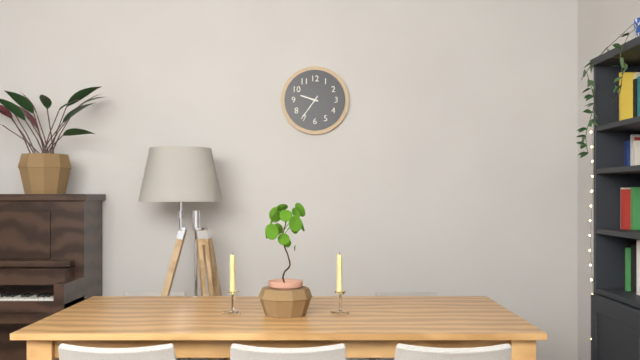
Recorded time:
{"hour": 9, "minute": 36}
